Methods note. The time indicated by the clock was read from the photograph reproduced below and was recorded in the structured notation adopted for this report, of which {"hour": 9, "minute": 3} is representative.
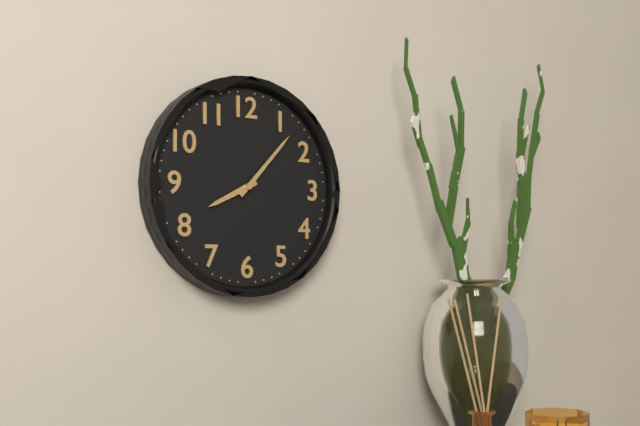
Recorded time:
{"hour": 8, "minute": 7}
